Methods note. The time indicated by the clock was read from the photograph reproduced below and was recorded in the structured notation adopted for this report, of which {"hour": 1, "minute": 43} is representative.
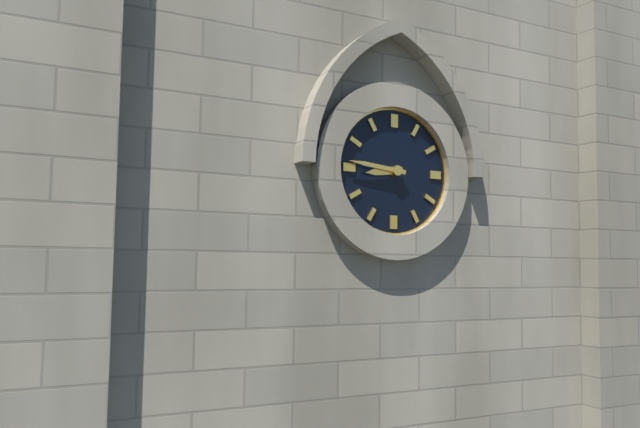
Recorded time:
{"hour": 8, "minute": 46}
